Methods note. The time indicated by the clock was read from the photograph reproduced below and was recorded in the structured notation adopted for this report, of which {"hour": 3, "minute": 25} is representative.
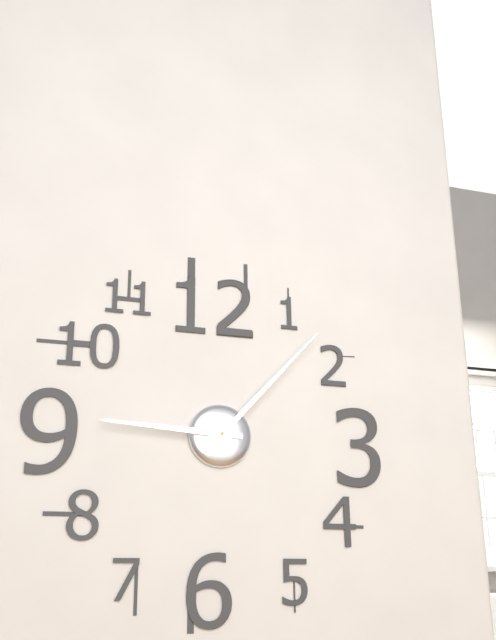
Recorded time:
{"hour": 9, "minute": 7}
